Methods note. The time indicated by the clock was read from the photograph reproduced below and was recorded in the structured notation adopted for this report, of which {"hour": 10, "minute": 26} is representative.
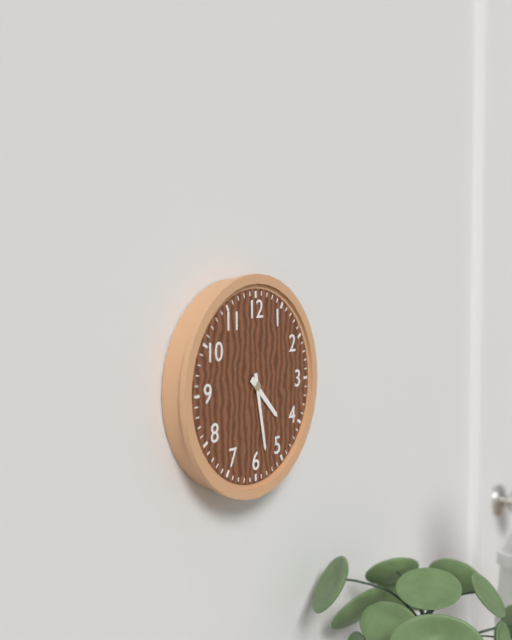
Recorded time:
{"hour": 4, "minute": 28}
